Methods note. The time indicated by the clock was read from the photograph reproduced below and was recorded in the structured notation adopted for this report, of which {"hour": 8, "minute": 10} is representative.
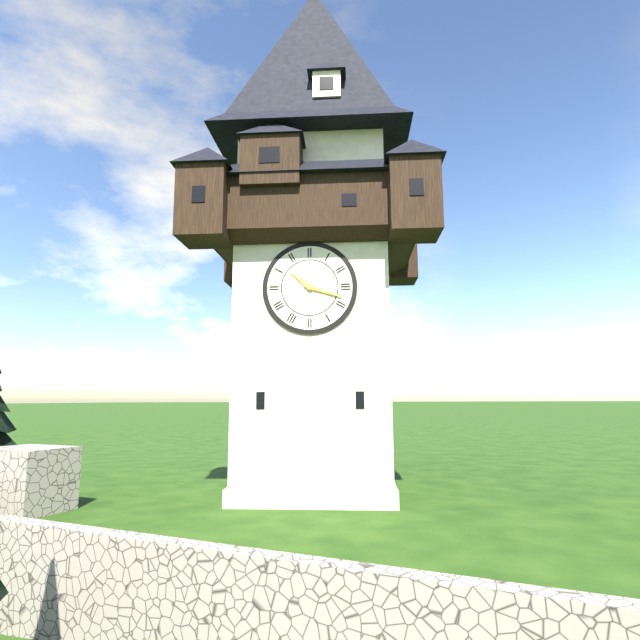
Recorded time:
{"hour": 10, "minute": 18}
